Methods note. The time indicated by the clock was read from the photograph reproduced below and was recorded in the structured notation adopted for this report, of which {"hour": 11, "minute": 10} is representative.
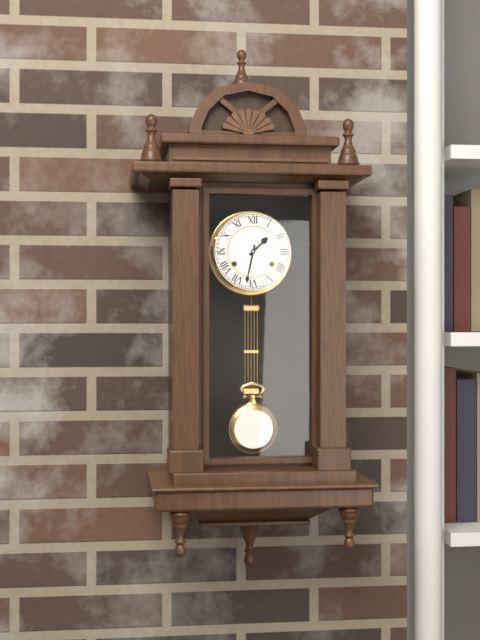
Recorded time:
{"hour": 1, "minute": 32}
